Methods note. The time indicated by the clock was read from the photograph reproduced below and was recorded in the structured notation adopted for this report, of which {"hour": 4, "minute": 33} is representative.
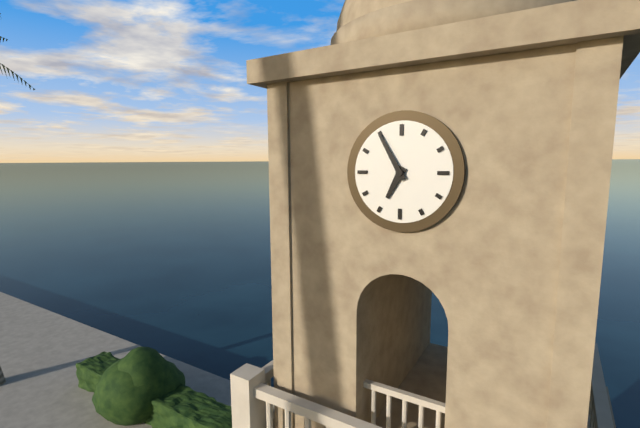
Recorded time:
{"hour": 6, "minute": 55}
